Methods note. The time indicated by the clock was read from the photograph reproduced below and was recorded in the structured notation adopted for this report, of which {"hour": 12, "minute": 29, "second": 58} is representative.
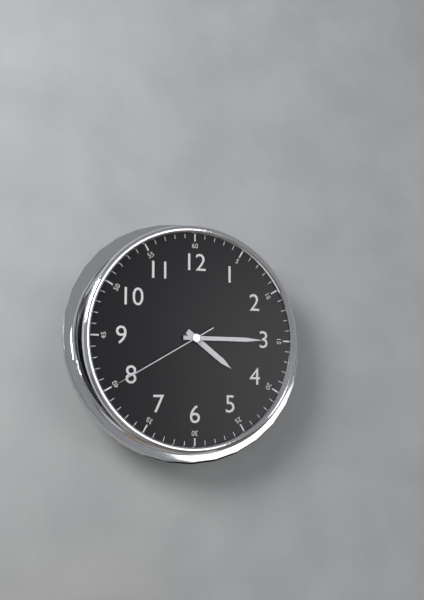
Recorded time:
{"hour": 4, "minute": 15, "second": 40}
